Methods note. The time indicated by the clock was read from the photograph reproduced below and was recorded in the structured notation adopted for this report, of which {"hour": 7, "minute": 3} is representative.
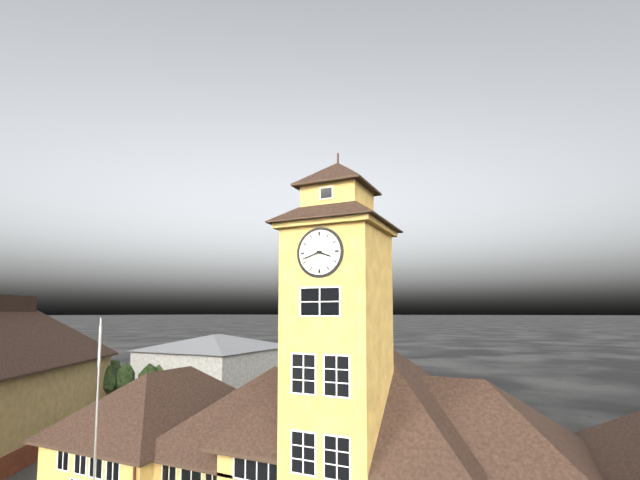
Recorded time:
{"hour": 3, "minute": 42}
